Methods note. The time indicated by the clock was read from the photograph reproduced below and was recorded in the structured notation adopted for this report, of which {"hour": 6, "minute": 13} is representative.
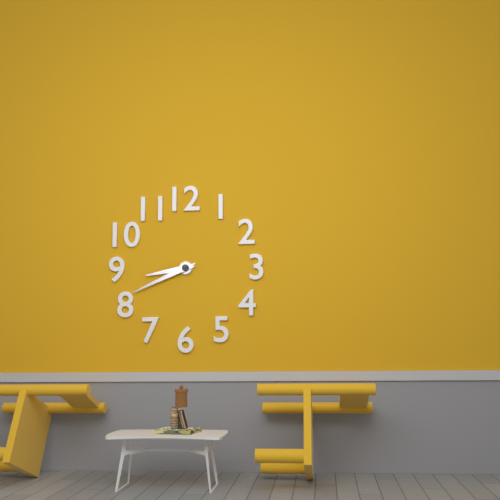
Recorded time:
{"hour": 8, "minute": 41}
